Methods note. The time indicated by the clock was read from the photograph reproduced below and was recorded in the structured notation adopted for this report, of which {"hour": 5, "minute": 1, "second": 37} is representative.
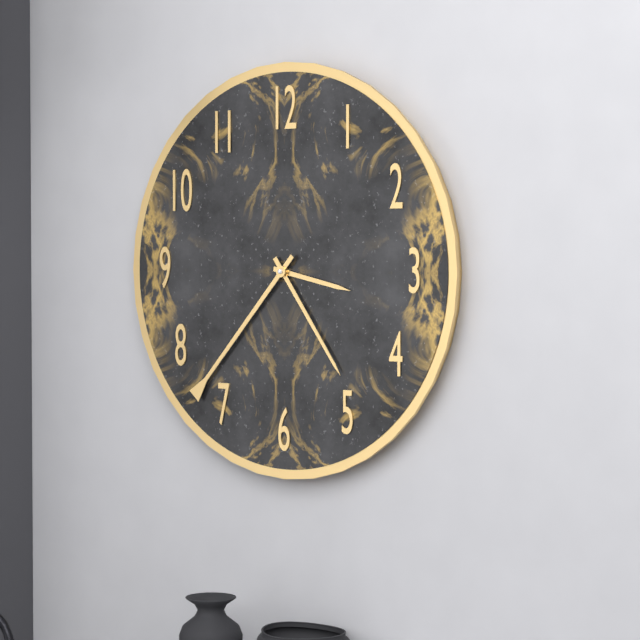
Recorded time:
{"hour": 3, "minute": 24, "second": 37}
